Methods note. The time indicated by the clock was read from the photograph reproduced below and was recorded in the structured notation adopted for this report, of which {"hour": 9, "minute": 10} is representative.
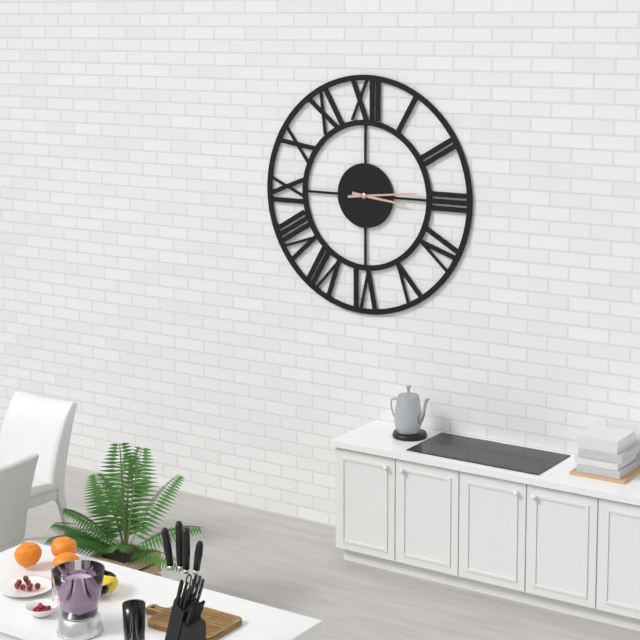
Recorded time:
{"hour": 3, "minute": 14}
